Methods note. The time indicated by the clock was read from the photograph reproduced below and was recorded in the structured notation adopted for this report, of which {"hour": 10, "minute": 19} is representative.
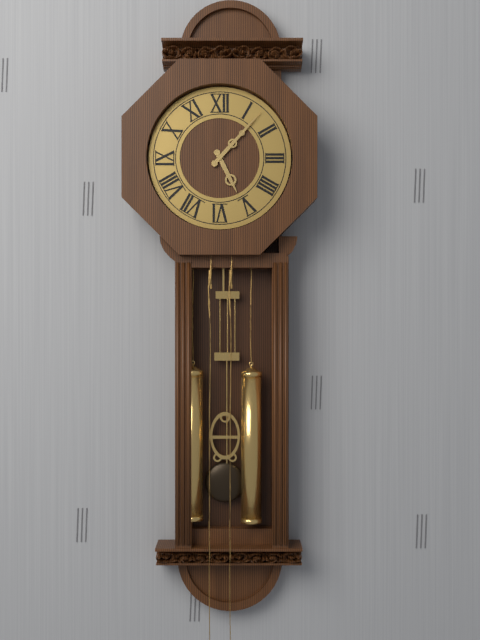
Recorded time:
{"hour": 5, "minute": 7}
